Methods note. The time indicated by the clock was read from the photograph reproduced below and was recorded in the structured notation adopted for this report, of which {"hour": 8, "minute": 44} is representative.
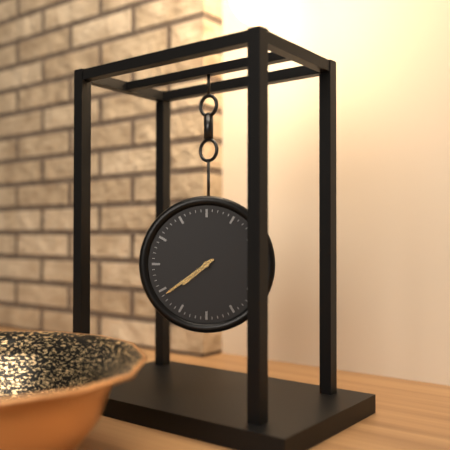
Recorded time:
{"hour": 7, "minute": 39}
